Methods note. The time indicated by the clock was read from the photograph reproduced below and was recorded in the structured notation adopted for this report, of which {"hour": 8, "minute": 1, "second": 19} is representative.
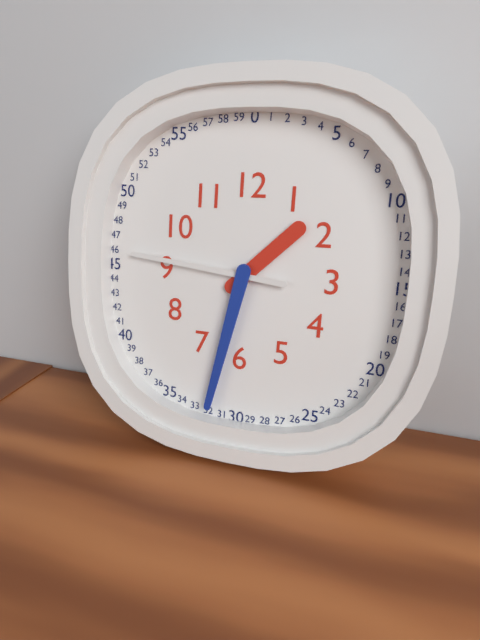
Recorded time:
{"hour": 1, "minute": 32, "second": 46}
